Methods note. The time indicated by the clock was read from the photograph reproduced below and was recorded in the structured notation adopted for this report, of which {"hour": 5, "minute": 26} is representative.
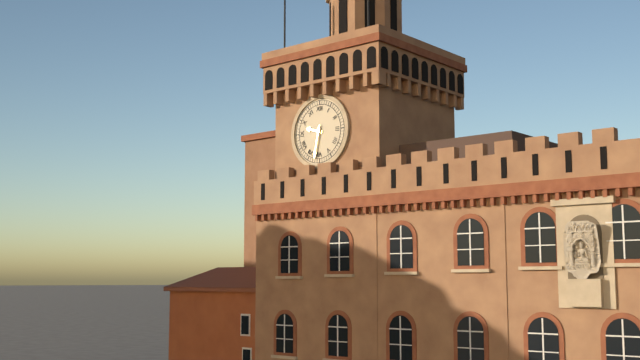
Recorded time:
{"hour": 9, "minute": 32}
